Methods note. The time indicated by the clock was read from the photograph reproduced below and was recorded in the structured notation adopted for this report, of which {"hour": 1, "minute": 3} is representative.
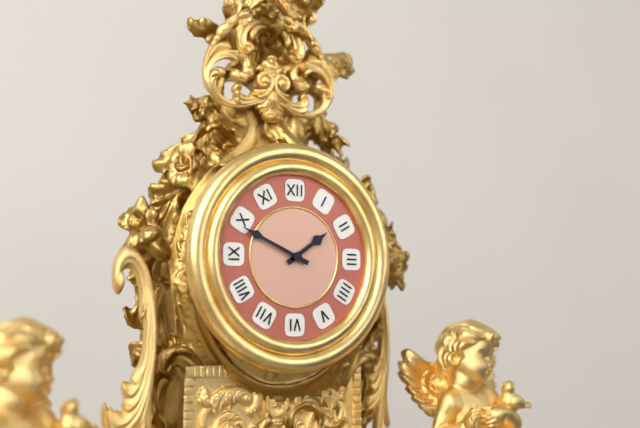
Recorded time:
{"hour": 1, "minute": 49}
